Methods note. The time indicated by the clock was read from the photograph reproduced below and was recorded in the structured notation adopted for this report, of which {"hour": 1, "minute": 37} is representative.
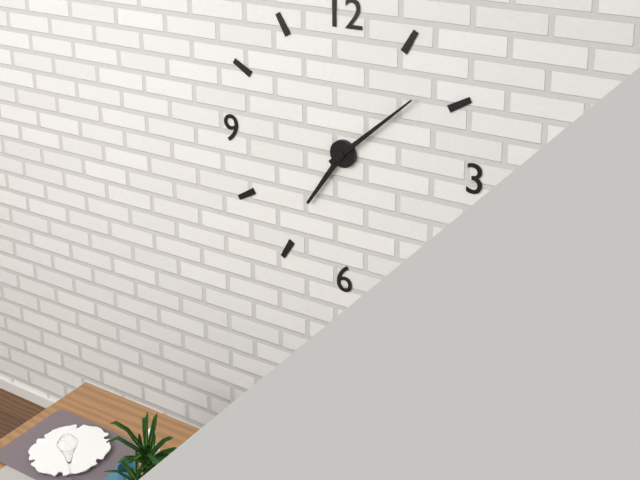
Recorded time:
{"hour": 7, "minute": 8}
